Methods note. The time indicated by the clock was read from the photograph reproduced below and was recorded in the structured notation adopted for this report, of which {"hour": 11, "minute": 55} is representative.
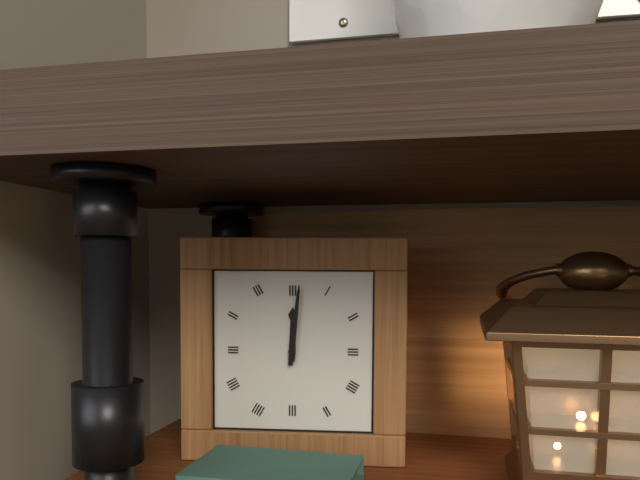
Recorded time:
{"hour": 12, "minute": 1}
